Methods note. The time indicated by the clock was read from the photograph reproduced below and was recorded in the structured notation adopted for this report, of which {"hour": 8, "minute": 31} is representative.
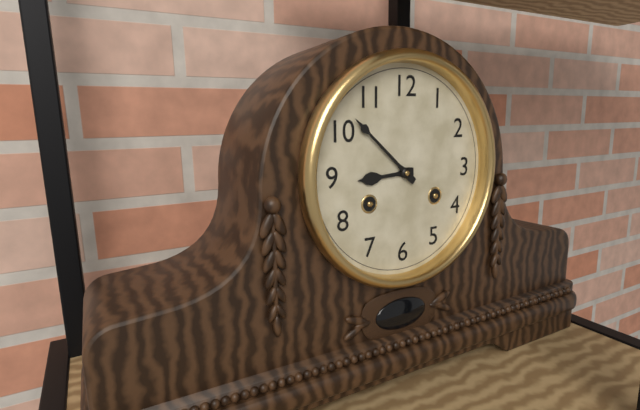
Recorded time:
{"hour": 8, "minute": 52}
